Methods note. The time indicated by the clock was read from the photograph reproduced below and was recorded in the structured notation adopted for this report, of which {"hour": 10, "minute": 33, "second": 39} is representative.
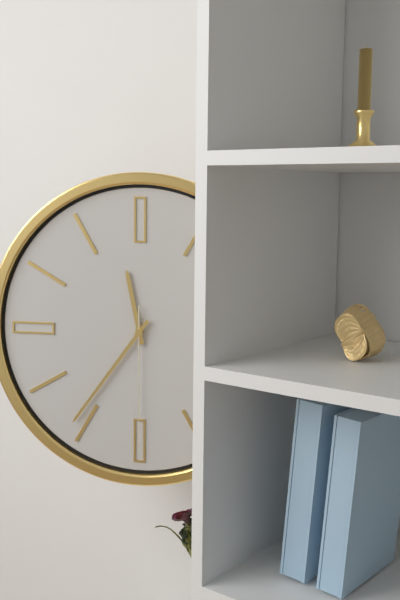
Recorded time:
{"hour": 11, "minute": 36, "second": 30}
